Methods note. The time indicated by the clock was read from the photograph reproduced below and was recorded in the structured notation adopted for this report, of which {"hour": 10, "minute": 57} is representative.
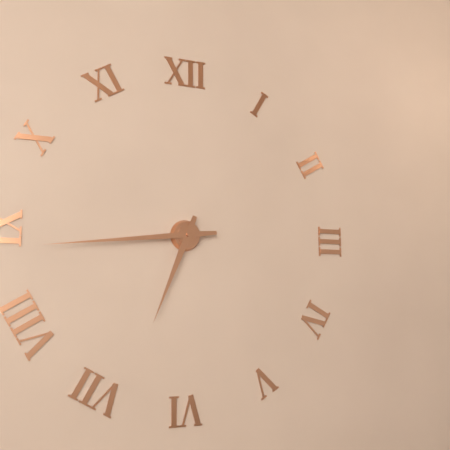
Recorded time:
{"hour": 6, "minute": 44}
